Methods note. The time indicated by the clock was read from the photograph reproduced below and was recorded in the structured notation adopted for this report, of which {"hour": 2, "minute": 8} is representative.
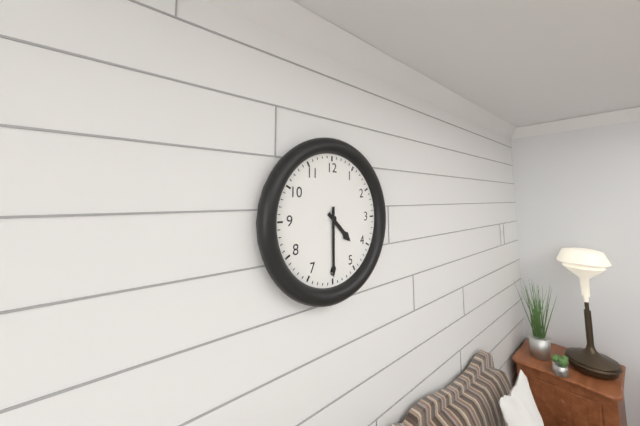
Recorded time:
{"hour": 4, "minute": 30}
